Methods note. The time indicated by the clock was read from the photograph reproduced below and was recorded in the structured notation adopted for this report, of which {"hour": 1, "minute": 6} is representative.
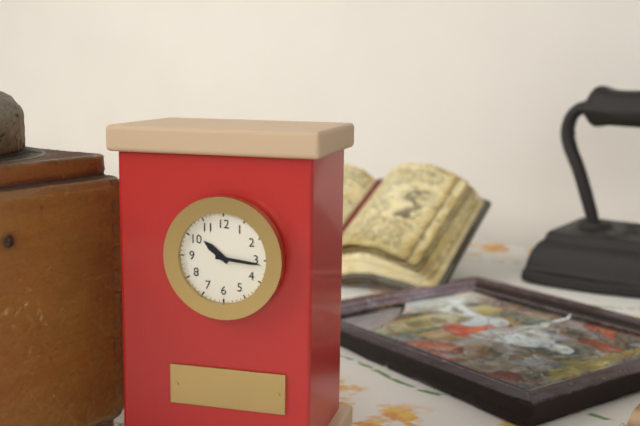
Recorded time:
{"hour": 10, "minute": 16}
